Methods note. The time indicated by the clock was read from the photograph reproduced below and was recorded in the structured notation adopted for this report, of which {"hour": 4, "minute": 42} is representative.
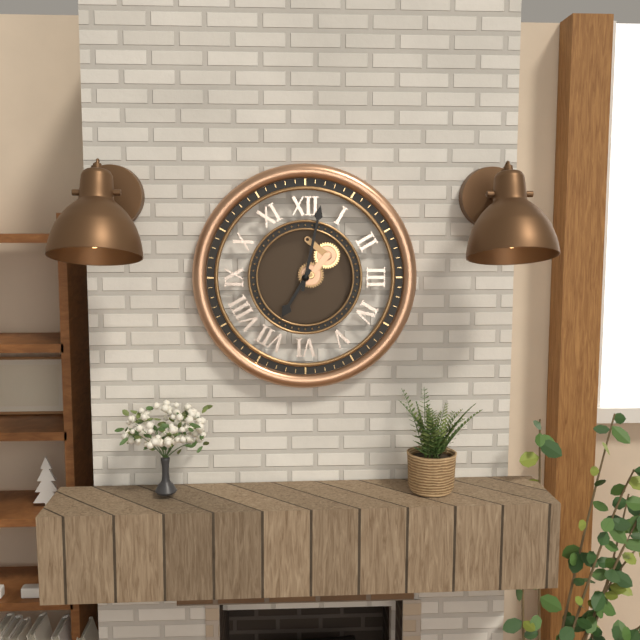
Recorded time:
{"hour": 7, "minute": 2}
